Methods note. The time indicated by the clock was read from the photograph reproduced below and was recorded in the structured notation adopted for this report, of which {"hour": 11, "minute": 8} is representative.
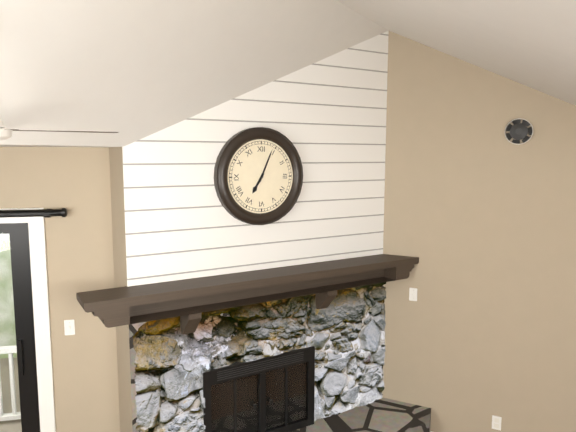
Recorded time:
{"hour": 7, "minute": 4}
